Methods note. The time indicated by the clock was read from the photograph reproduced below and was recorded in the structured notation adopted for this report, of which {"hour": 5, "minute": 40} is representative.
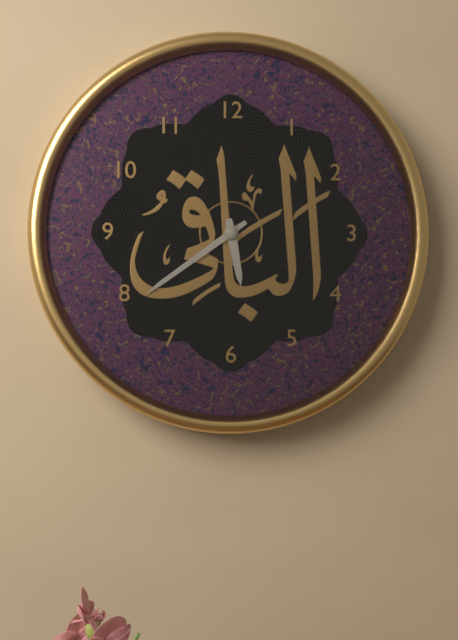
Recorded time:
{"hour": 5, "minute": 39}
